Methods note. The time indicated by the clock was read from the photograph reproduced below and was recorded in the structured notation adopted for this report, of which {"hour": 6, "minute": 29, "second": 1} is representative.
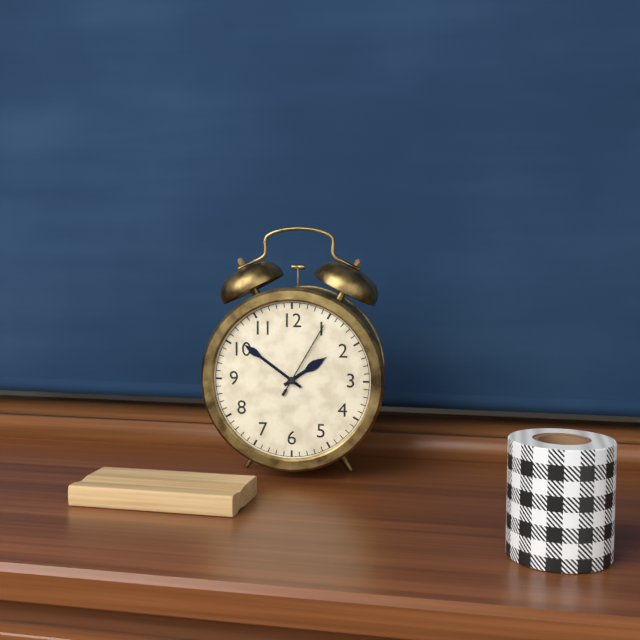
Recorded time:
{"hour": 1, "minute": 51, "second": 5}
